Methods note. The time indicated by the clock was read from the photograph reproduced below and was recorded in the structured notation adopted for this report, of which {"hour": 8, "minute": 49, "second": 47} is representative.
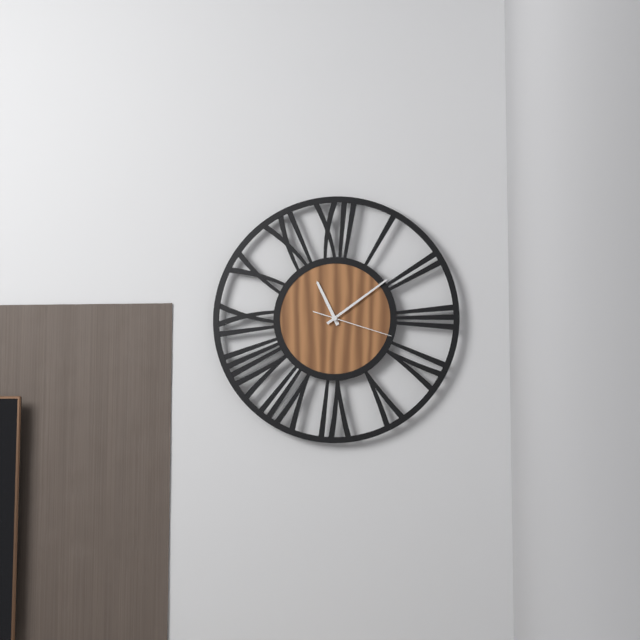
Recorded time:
{"hour": 11, "minute": 9, "second": 18}
